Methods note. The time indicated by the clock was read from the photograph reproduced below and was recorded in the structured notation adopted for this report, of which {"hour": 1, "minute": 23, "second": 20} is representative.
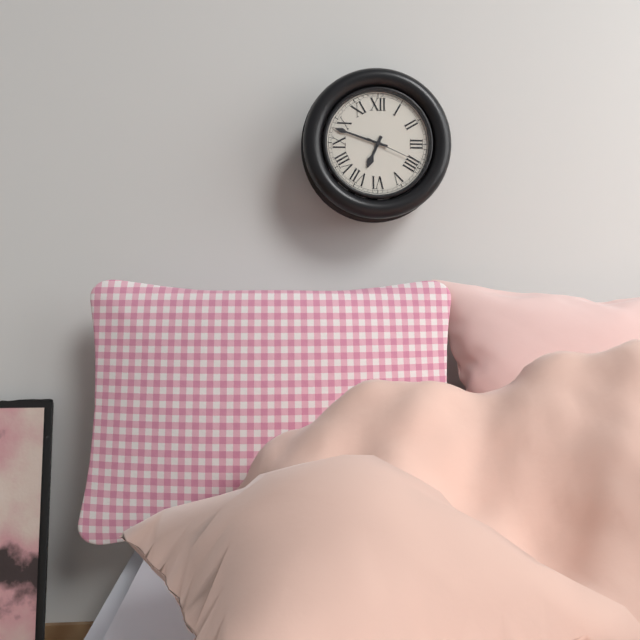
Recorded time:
{"hour": 6, "minute": 48, "second": 19}
